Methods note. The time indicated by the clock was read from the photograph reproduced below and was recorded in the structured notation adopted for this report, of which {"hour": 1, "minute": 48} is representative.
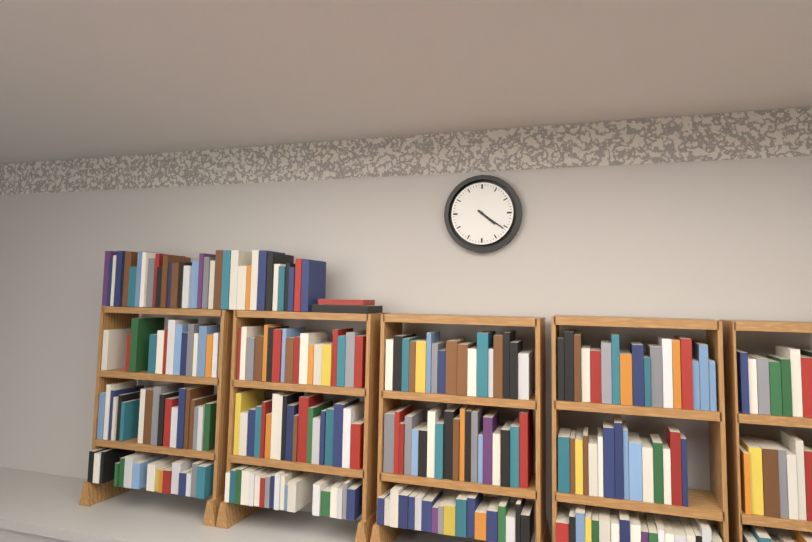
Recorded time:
{"hour": 4, "minute": 21}
